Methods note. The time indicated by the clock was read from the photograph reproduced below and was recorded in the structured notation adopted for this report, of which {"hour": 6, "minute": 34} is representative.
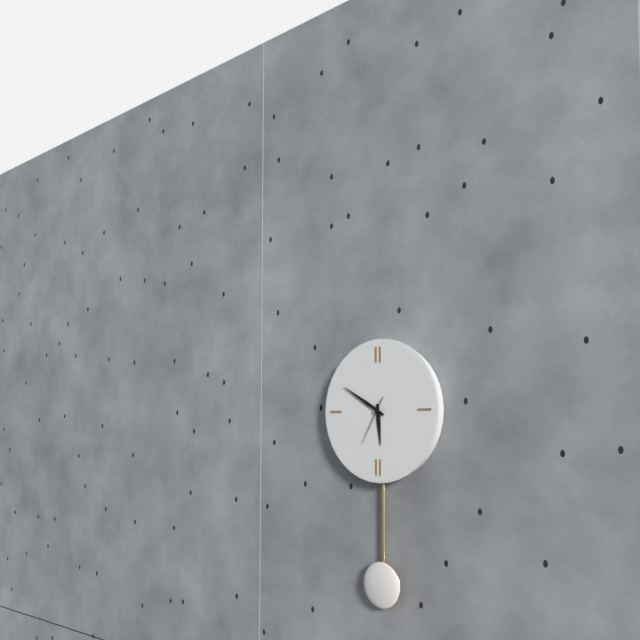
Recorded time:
{"hour": 5, "minute": 50}
